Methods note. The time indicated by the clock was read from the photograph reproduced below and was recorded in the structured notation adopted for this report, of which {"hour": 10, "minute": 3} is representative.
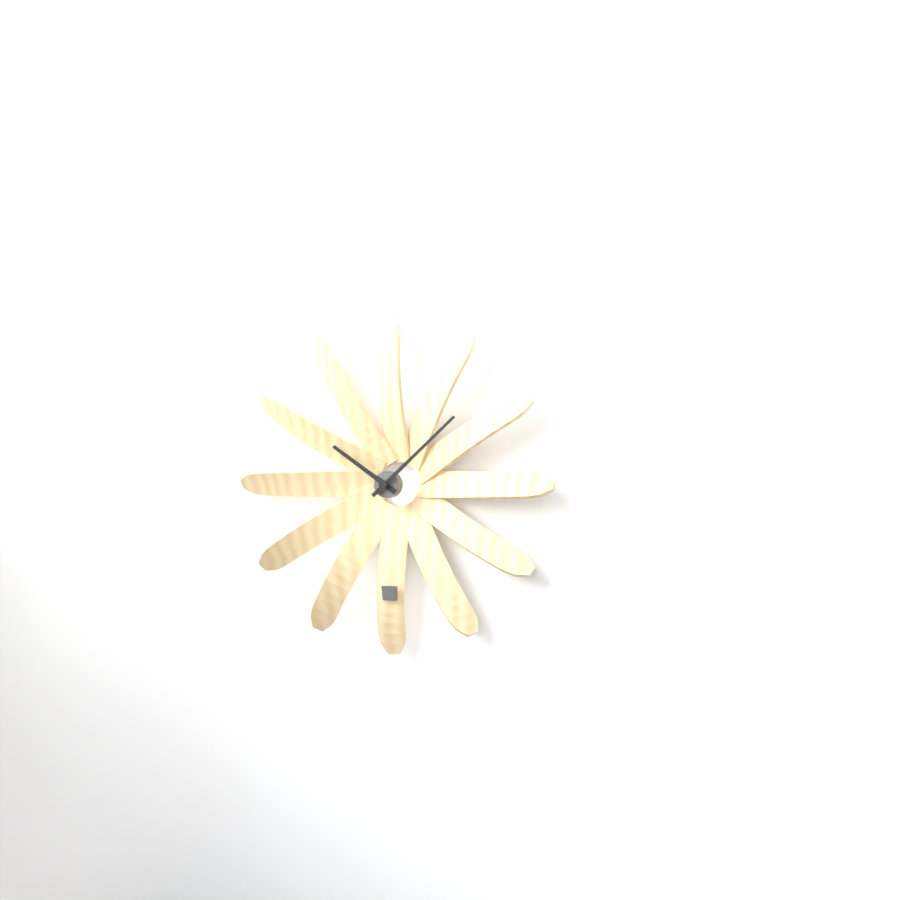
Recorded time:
{"hour": 10, "minute": 8}
